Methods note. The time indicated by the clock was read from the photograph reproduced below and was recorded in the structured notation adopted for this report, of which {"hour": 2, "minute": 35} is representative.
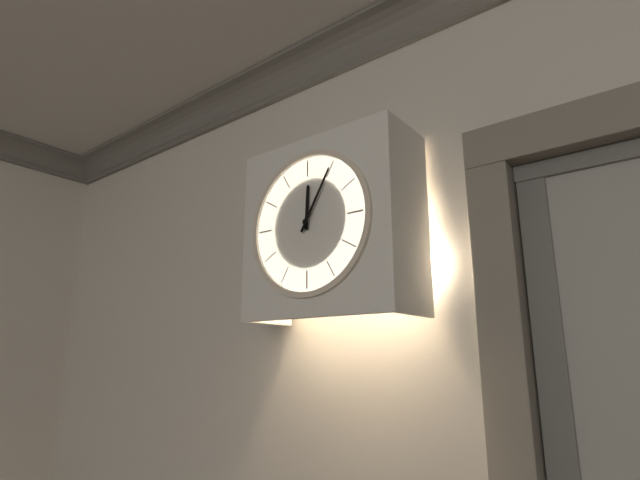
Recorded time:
{"hour": 12, "minute": 5}
